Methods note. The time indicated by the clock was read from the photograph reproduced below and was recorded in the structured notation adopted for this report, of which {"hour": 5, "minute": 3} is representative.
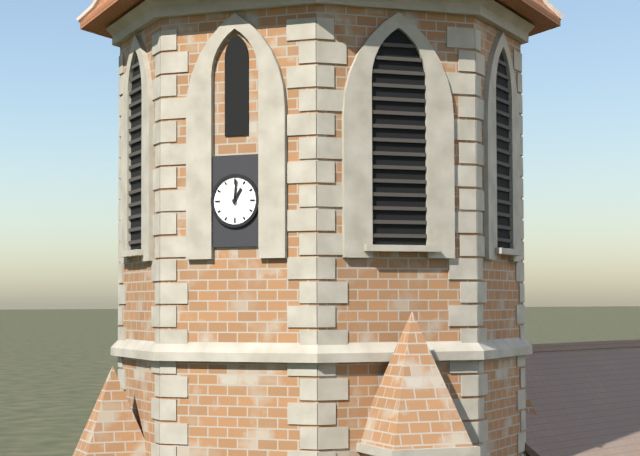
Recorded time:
{"hour": 1, "minute": 1}
